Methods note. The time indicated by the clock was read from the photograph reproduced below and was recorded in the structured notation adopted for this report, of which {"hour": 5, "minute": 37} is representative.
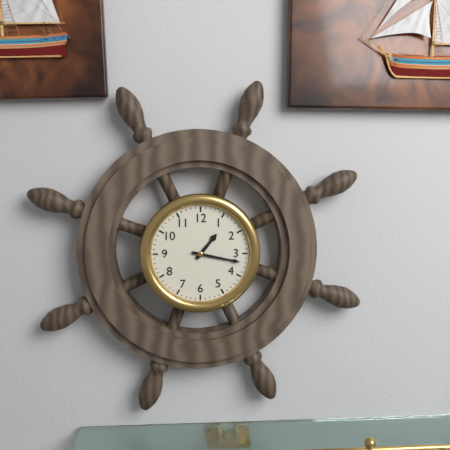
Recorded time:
{"hour": 1, "minute": 17}
